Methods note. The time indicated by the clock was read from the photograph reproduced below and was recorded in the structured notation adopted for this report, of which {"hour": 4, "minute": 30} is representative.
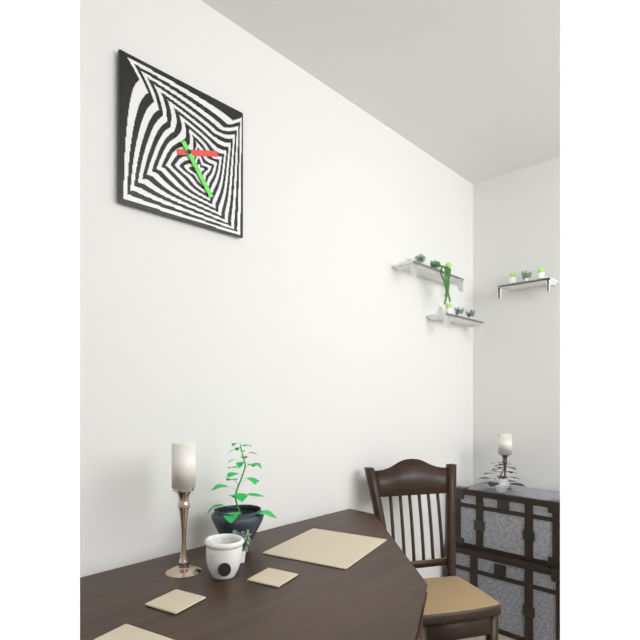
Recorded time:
{"hour": 2, "minute": 24}
